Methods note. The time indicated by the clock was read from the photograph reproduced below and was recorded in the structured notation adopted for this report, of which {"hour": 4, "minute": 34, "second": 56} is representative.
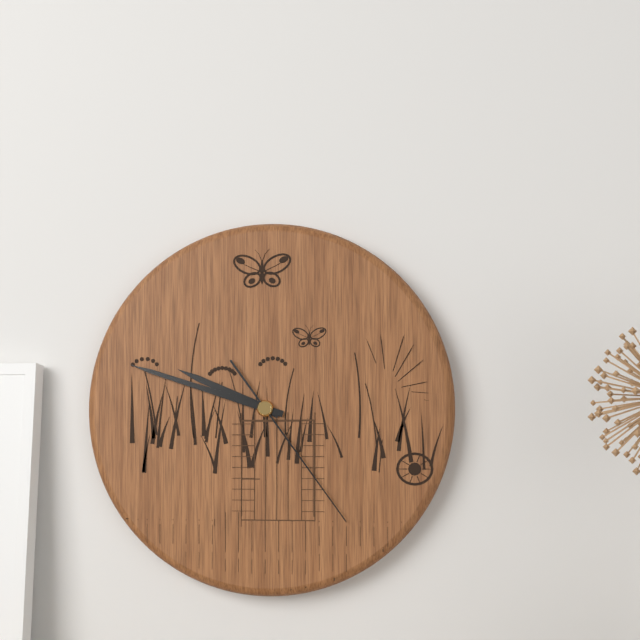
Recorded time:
{"hour": 9, "minute": 48, "second": 24}
